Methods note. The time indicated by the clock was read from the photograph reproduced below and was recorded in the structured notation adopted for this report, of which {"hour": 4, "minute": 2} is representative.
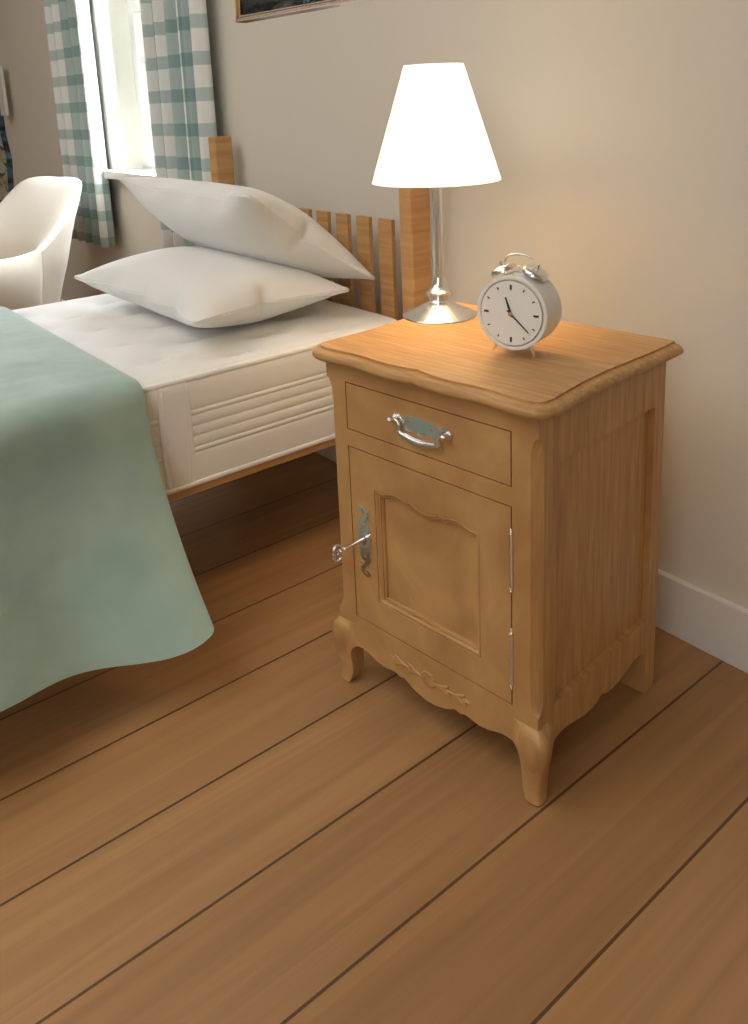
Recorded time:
{"hour": 11, "minute": 22}
